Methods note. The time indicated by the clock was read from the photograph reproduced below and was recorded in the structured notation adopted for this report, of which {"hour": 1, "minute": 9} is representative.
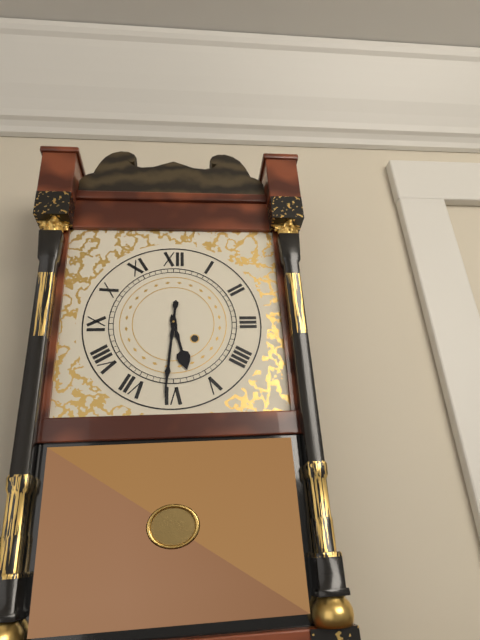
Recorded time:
{"hour": 5, "minute": 31}
